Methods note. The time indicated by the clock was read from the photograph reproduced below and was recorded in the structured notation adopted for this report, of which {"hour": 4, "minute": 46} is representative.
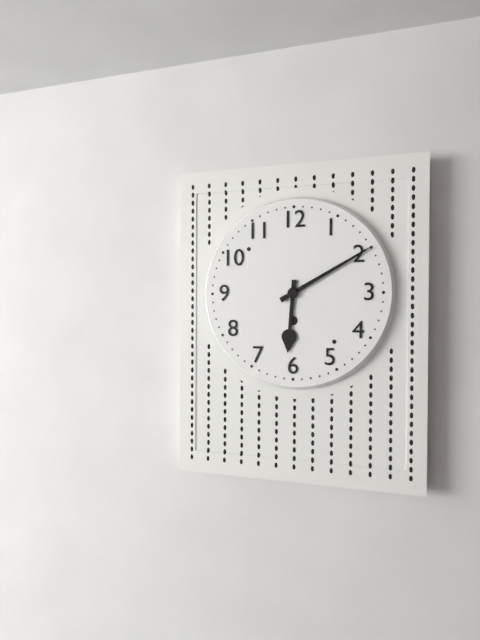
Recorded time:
{"hour": 6, "minute": 10}
